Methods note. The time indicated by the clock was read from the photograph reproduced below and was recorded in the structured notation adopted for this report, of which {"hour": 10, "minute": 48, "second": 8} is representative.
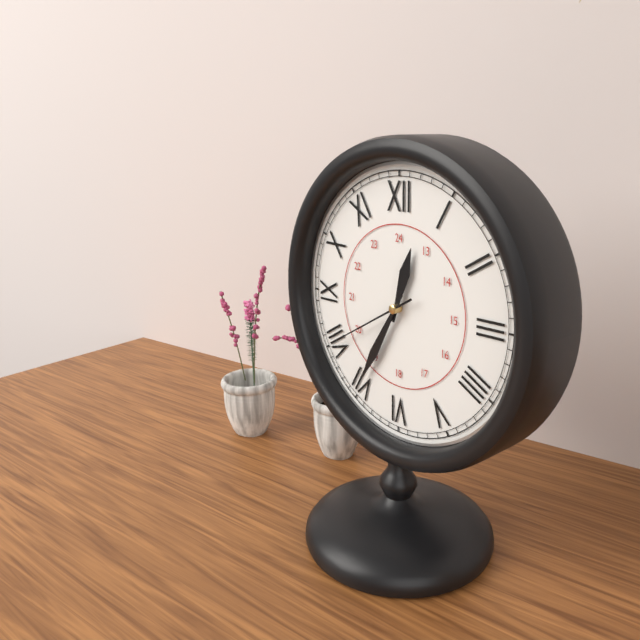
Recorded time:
{"hour": 12, "minute": 35, "second": 40}
